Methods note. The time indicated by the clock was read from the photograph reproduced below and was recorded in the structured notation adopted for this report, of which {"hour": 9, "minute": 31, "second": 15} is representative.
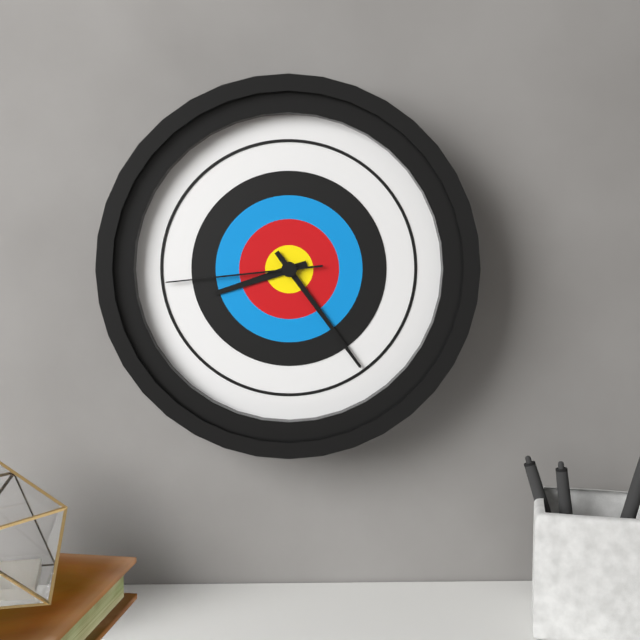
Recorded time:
{"hour": 8, "minute": 24, "second": 44}
